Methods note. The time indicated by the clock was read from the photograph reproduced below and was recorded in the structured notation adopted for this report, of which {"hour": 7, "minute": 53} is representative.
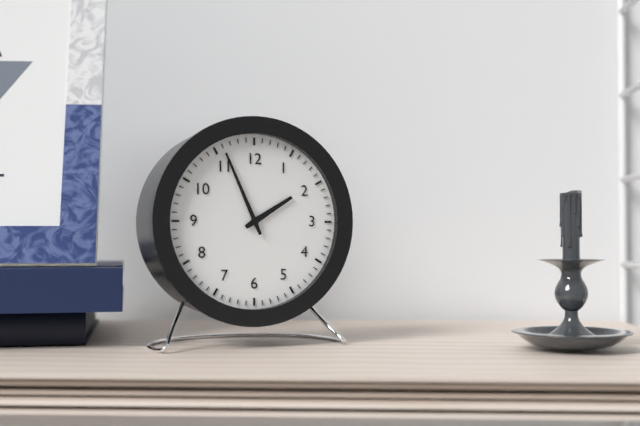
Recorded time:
{"hour": 1, "minute": 56}
